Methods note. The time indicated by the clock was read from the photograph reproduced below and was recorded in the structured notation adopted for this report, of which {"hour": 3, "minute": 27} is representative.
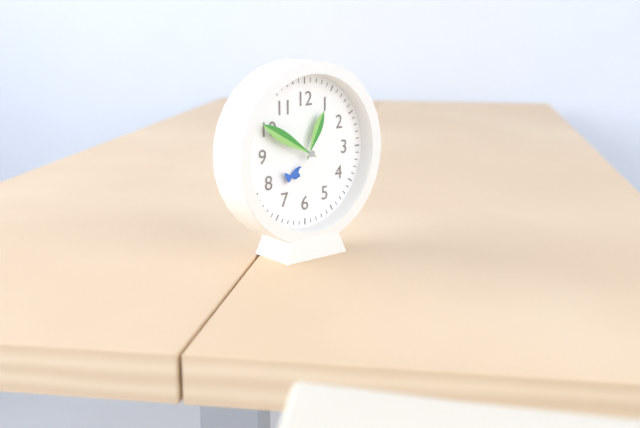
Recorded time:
{"hour": 12, "minute": 50}
